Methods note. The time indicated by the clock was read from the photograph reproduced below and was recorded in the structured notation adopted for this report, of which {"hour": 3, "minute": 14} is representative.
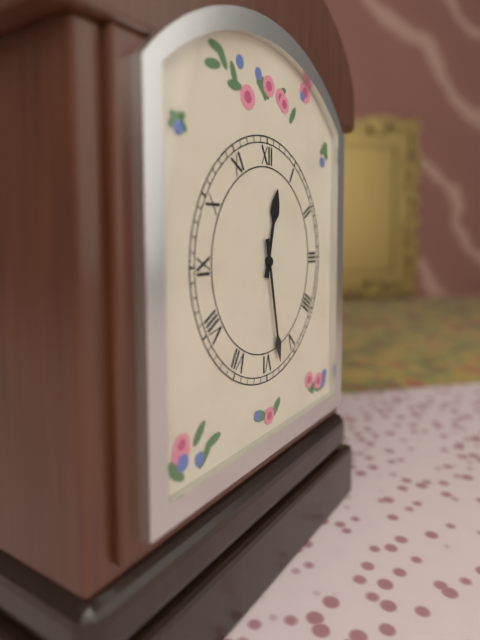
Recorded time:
{"hour": 12, "minute": 28}
